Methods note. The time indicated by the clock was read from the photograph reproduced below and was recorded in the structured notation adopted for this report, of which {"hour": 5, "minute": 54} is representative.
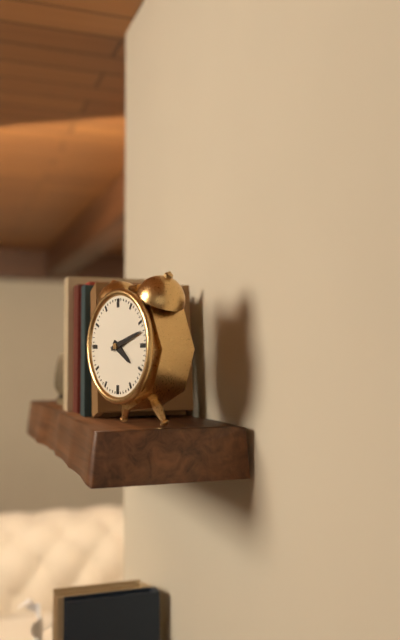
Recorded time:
{"hour": 4, "minute": 12}
